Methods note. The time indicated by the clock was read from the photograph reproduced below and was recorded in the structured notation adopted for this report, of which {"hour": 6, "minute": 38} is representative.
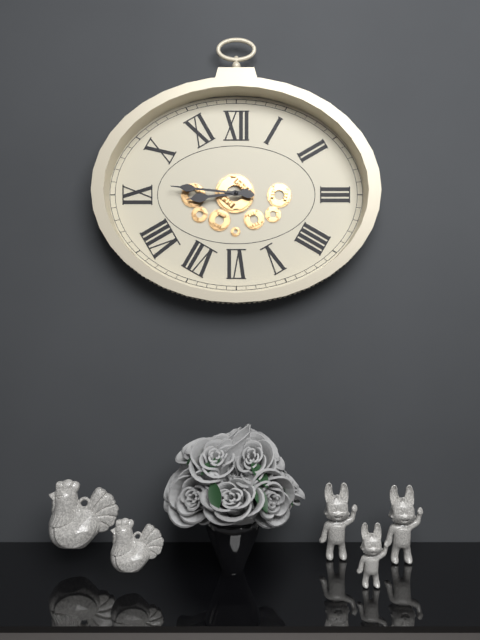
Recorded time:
{"hour": 8, "minute": 46}
